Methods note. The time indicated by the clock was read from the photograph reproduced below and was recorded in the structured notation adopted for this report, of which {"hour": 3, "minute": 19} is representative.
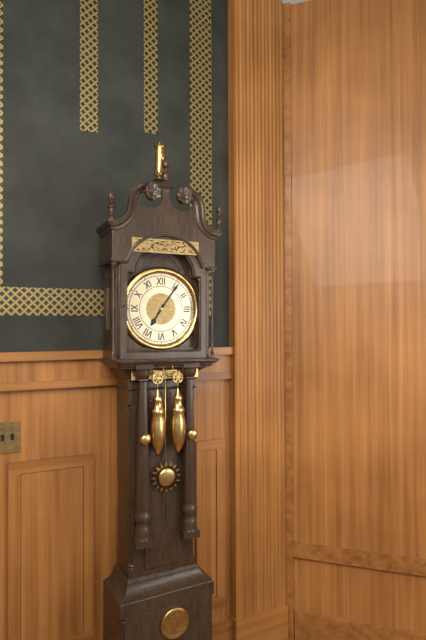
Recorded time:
{"hour": 7, "minute": 6}
